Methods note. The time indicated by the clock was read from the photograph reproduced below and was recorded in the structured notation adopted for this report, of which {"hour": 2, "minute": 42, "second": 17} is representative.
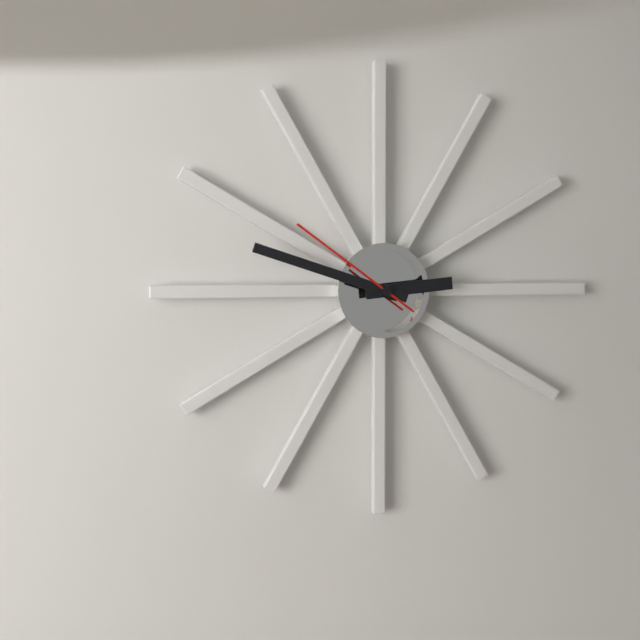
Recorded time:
{"hour": 2, "minute": 48, "second": 51}
